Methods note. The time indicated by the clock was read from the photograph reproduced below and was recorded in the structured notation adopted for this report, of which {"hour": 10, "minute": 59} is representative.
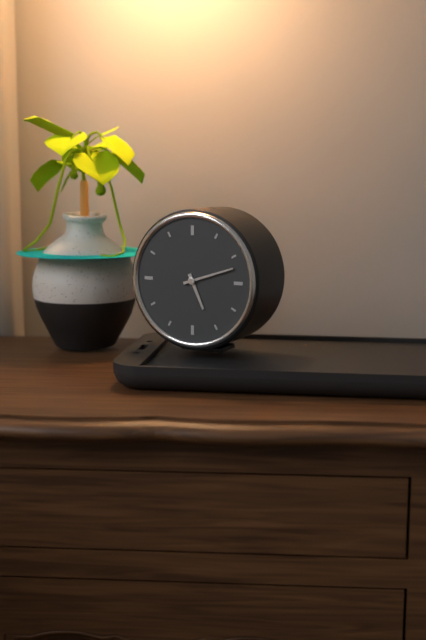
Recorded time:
{"hour": 5, "minute": 12}
